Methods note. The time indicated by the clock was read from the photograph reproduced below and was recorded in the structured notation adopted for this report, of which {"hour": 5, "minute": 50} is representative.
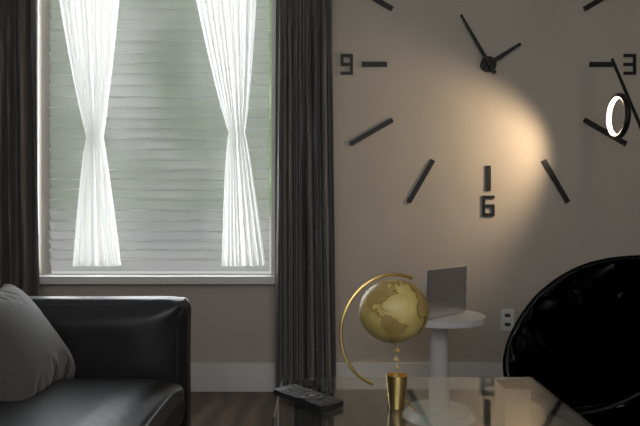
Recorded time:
{"hour": 1, "minute": 55}
